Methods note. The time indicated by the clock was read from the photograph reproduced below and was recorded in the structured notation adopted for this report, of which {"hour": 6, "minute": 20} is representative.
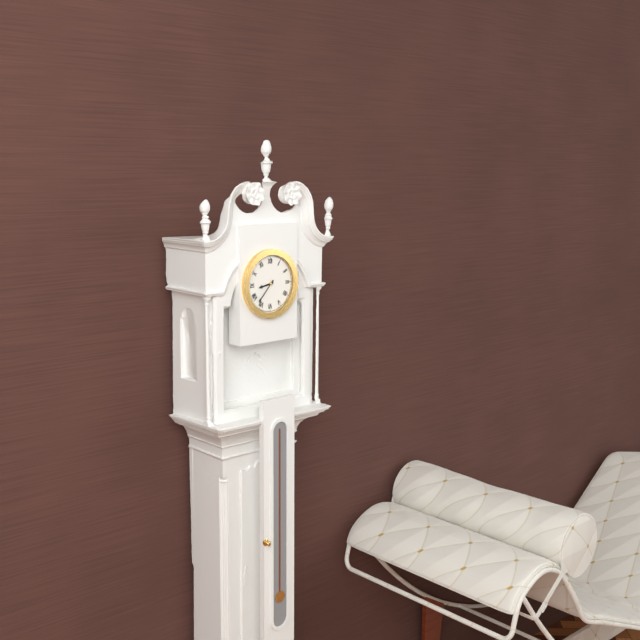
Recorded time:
{"hour": 8, "minute": 37}
